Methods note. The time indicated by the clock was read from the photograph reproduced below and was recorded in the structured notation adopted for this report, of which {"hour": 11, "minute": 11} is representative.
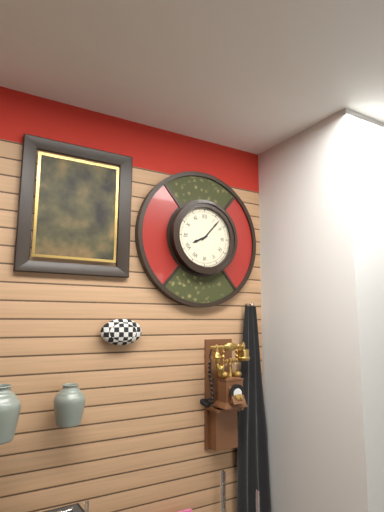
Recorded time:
{"hour": 8, "minute": 7}
